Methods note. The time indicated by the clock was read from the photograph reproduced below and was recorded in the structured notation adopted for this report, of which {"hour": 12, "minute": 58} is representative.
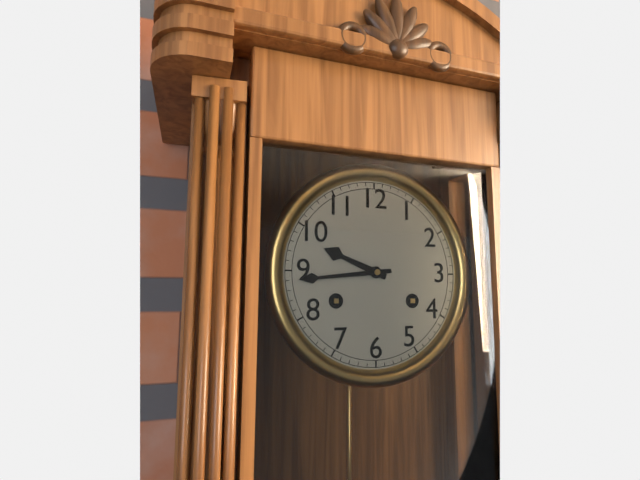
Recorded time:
{"hour": 9, "minute": 44}
